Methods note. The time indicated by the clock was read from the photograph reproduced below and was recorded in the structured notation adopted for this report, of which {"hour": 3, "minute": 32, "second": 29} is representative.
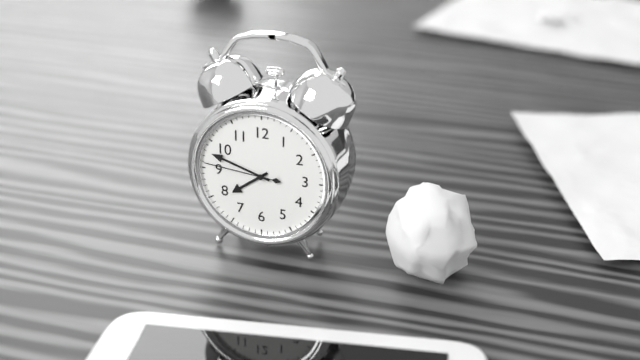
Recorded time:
{"hour": 7, "minute": 48, "second": 46}
